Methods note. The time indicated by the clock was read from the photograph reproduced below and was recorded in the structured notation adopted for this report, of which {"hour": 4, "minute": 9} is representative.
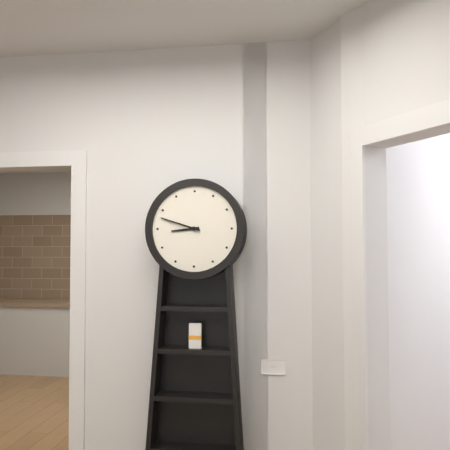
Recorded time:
{"hour": 8, "minute": 48}
